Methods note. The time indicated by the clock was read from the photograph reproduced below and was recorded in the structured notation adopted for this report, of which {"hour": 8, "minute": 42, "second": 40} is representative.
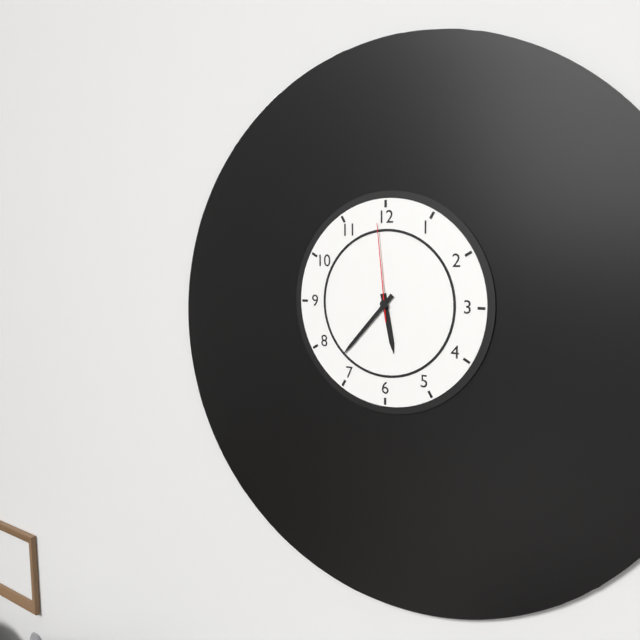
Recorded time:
{"hour": 5, "minute": 37, "second": 59}
